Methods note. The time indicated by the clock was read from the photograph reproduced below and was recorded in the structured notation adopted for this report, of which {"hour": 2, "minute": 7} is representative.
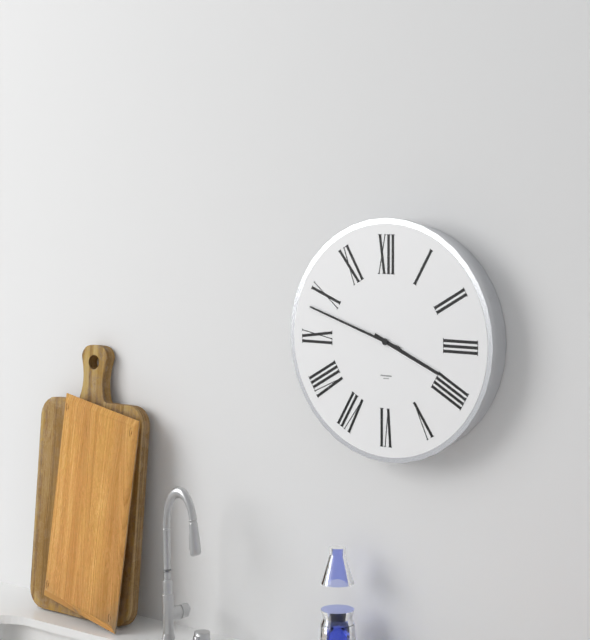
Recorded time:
{"hour": 3, "minute": 48}
